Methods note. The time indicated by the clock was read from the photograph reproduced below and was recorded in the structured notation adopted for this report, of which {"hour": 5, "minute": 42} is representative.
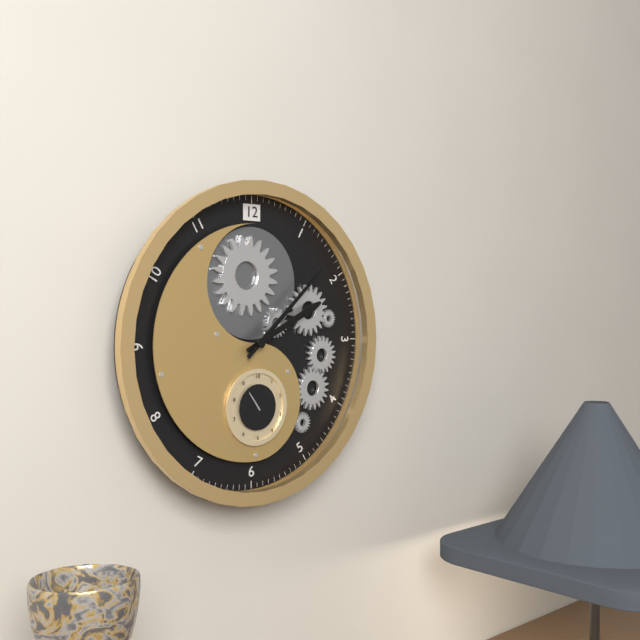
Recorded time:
{"hour": 2, "minute": 8}
